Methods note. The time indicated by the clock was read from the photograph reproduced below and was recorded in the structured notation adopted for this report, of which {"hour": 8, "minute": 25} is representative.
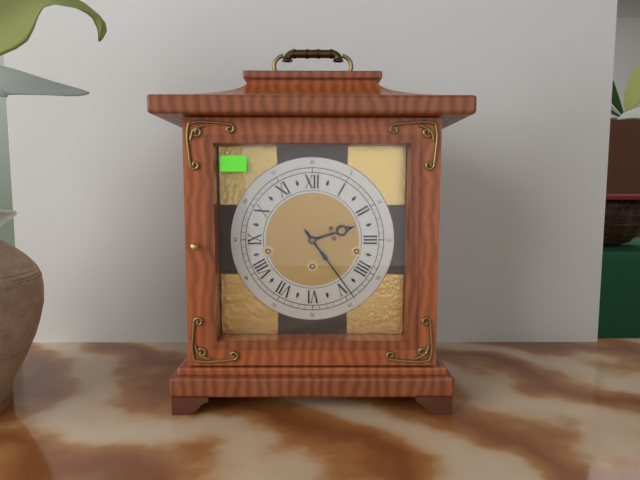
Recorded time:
{"hour": 2, "minute": 24}
